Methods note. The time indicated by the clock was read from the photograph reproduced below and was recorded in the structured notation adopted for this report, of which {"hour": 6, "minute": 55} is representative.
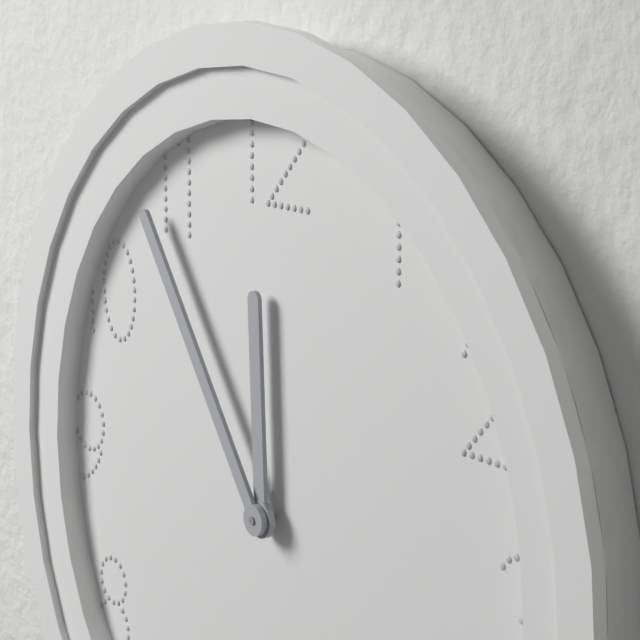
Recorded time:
{"hour": 11, "minute": 54}
